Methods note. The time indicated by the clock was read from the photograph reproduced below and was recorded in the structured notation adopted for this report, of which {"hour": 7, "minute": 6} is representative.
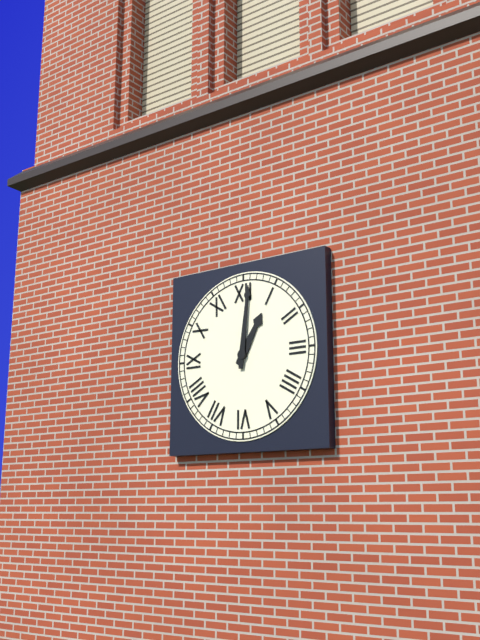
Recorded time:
{"hour": 1, "minute": 1}
